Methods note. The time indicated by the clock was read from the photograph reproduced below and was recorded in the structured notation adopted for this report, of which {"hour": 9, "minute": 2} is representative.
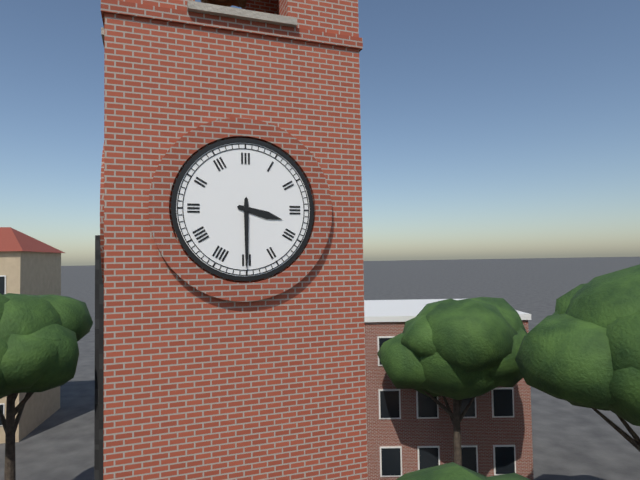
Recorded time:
{"hour": 3, "minute": 30}
